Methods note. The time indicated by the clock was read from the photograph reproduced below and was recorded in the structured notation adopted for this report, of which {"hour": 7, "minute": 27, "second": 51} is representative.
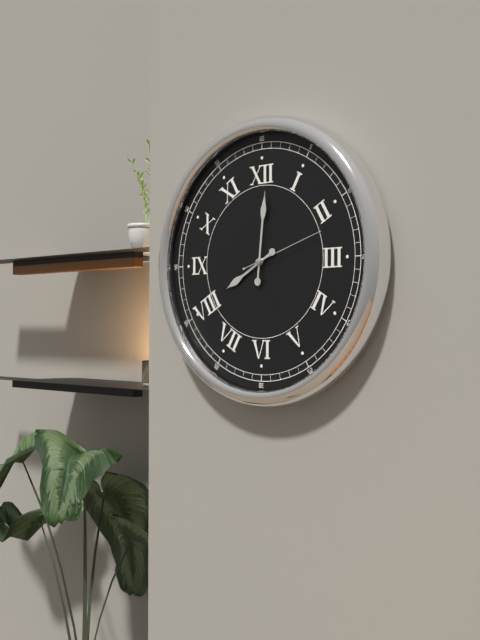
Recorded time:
{"hour": 8, "minute": 1, "second": 12}
